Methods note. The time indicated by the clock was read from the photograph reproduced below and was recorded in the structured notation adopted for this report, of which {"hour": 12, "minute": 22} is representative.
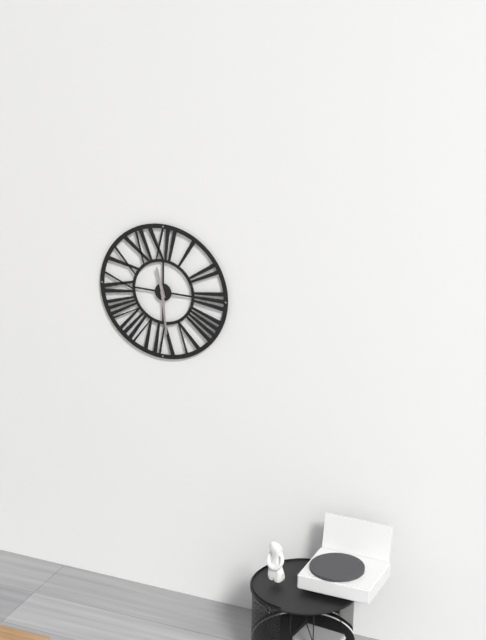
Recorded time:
{"hour": 11, "minute": 29}
